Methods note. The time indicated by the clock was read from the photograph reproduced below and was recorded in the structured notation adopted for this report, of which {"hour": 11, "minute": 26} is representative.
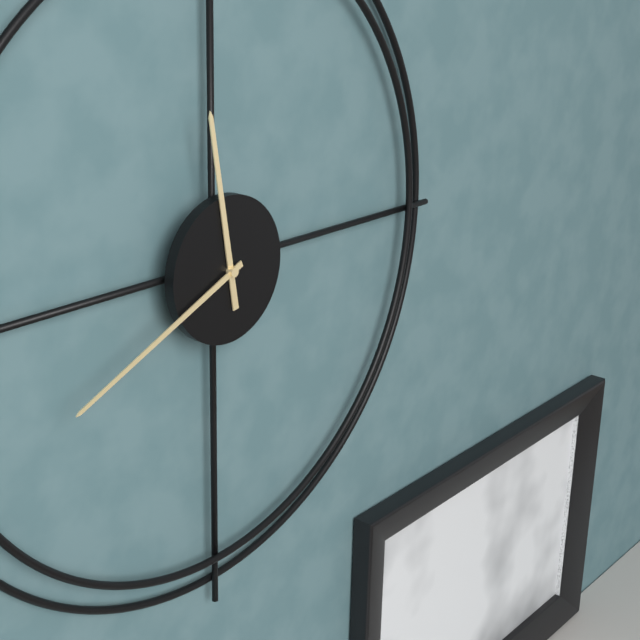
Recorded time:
{"hour": 11, "minute": 41}
